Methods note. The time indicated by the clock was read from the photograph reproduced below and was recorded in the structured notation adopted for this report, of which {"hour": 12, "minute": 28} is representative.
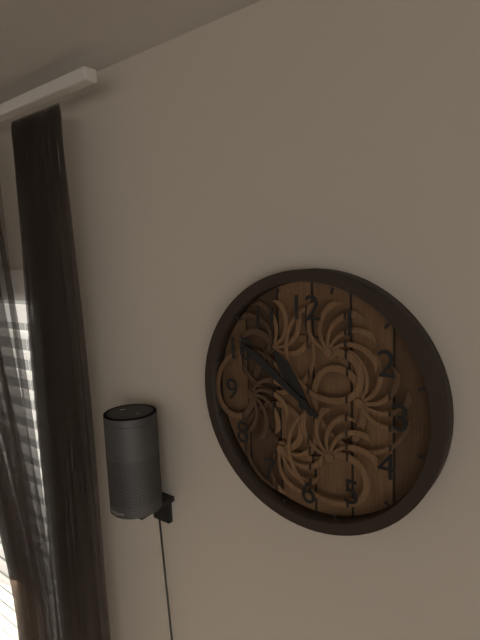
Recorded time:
{"hour": 10, "minute": 51}
